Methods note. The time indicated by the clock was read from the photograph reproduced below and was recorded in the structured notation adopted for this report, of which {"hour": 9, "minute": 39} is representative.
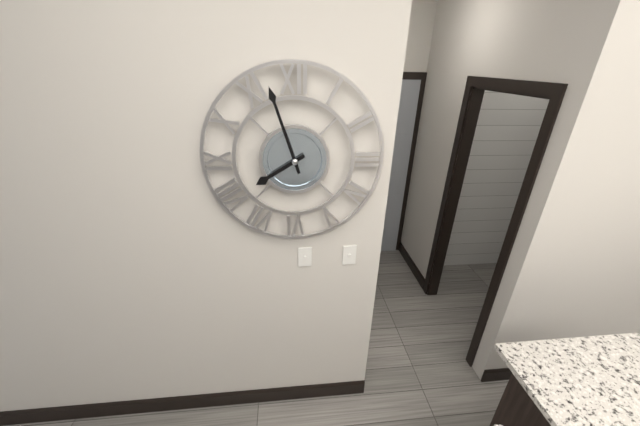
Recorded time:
{"hour": 7, "minute": 57}
